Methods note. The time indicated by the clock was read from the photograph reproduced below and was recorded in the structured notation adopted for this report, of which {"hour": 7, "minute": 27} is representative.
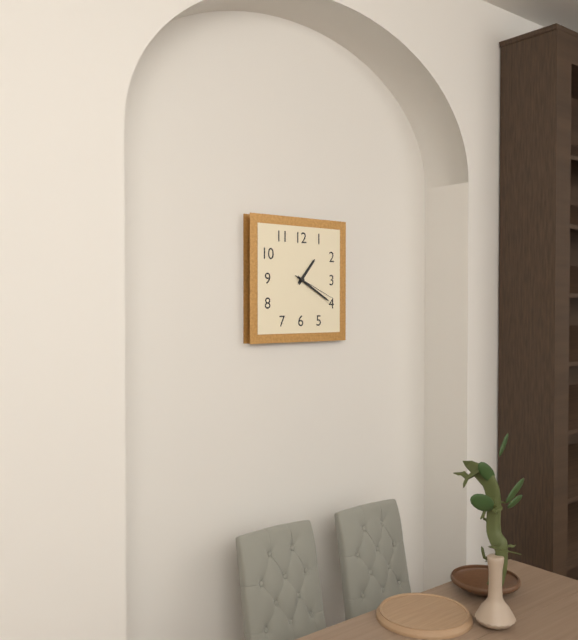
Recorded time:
{"hour": 1, "minute": 20}
